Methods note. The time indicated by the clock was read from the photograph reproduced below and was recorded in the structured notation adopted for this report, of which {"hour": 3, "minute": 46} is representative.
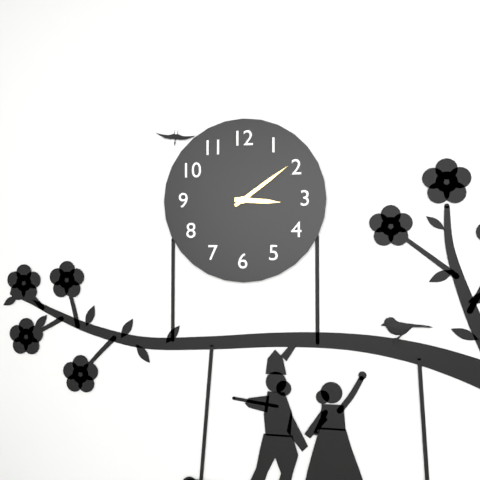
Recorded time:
{"hour": 3, "minute": 9}
